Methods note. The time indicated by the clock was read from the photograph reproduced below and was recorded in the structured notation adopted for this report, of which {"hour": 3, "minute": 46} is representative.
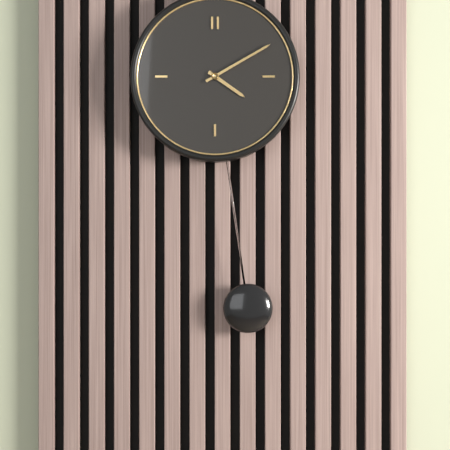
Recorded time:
{"hour": 4, "minute": 10}
